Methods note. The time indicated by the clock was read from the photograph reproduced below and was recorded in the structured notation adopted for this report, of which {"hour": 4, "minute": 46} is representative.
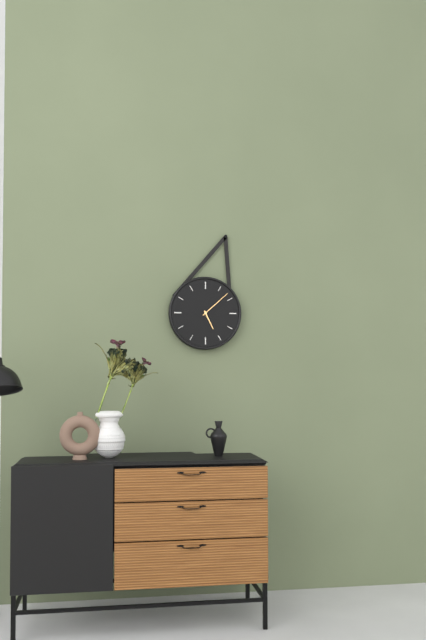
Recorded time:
{"hour": 5, "minute": 8}
